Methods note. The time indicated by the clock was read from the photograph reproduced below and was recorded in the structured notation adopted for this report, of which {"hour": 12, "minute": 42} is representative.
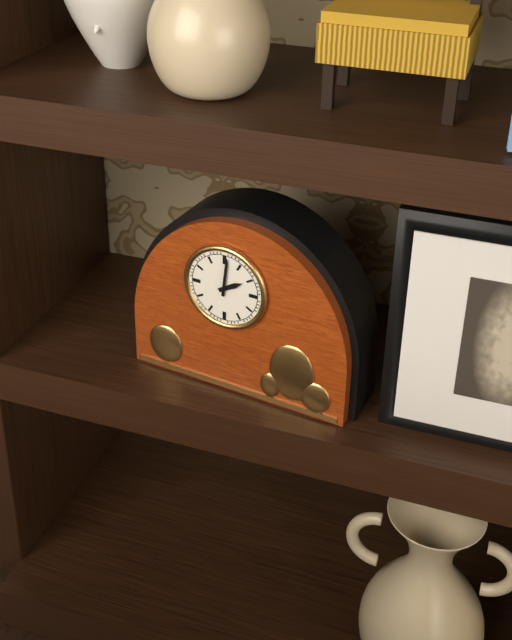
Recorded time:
{"hour": 2, "minute": 1}
